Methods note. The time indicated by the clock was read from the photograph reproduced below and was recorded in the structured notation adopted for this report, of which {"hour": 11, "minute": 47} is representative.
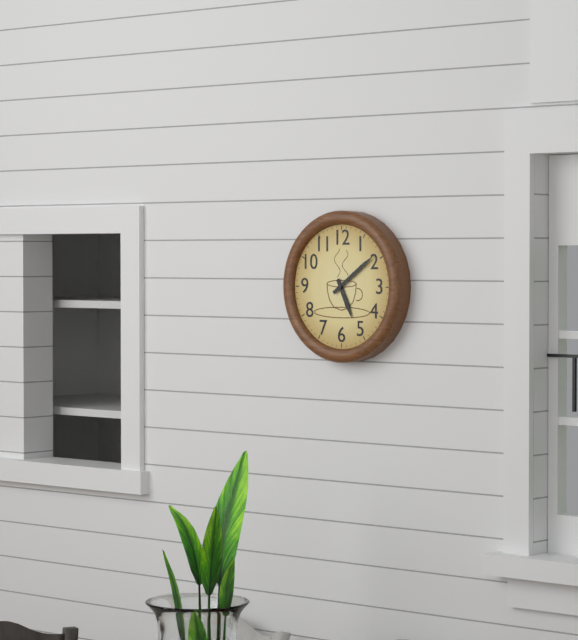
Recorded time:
{"hour": 5, "minute": 9}
